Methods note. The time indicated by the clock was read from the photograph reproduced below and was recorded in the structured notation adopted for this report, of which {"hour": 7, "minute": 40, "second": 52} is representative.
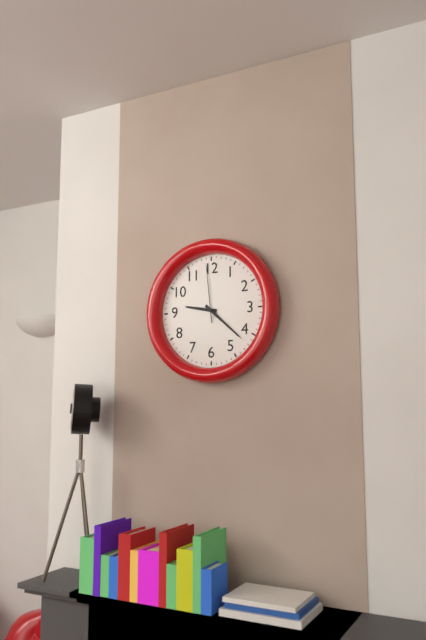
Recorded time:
{"hour": 9, "minute": 22, "second": 59}
